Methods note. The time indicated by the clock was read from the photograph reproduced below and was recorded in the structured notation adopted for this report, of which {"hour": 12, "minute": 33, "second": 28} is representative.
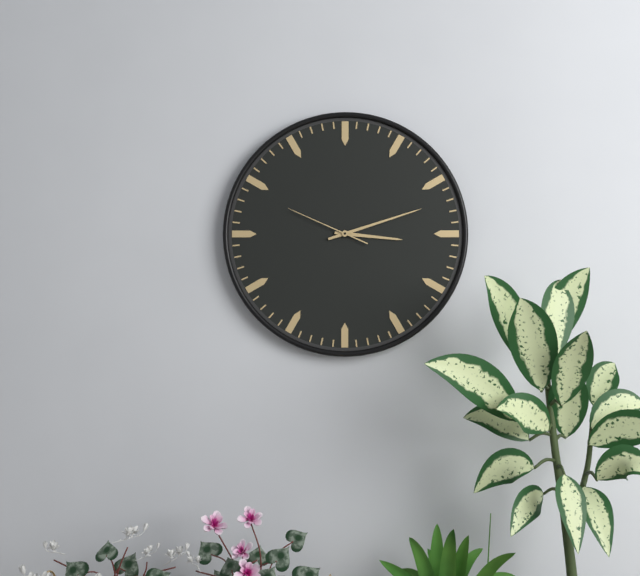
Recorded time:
{"hour": 3, "minute": 12, "second": 49}
